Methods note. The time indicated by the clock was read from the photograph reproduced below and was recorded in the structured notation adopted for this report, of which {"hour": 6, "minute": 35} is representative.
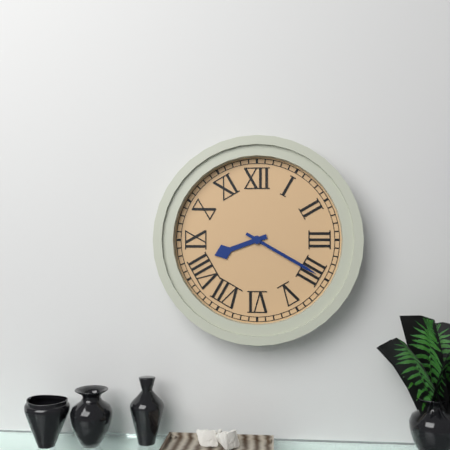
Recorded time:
{"hour": 8, "minute": 20}
